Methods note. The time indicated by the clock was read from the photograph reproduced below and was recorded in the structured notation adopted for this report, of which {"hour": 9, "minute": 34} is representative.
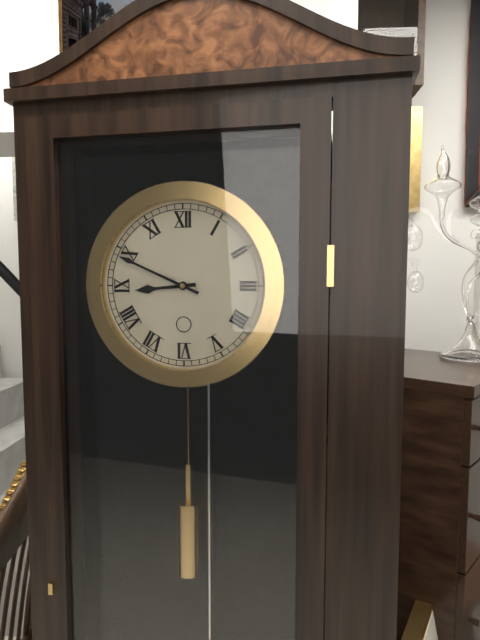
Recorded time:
{"hour": 8, "minute": 49}
